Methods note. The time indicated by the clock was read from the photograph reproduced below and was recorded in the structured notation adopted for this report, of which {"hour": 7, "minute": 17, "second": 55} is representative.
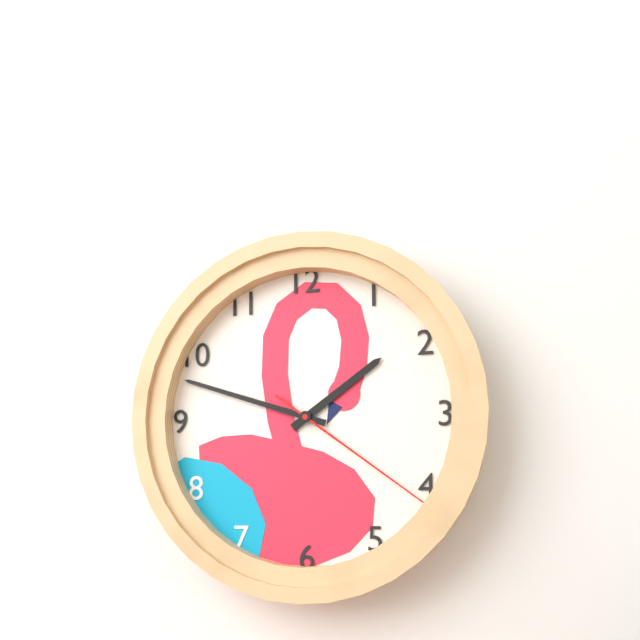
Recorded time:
{"hour": 1, "minute": 48, "second": 21}
